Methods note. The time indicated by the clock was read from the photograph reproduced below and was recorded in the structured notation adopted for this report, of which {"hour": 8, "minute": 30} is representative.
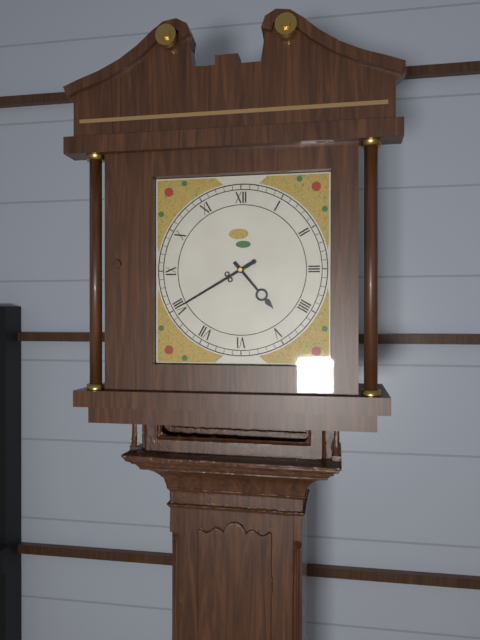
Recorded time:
{"hour": 4, "minute": 40}
